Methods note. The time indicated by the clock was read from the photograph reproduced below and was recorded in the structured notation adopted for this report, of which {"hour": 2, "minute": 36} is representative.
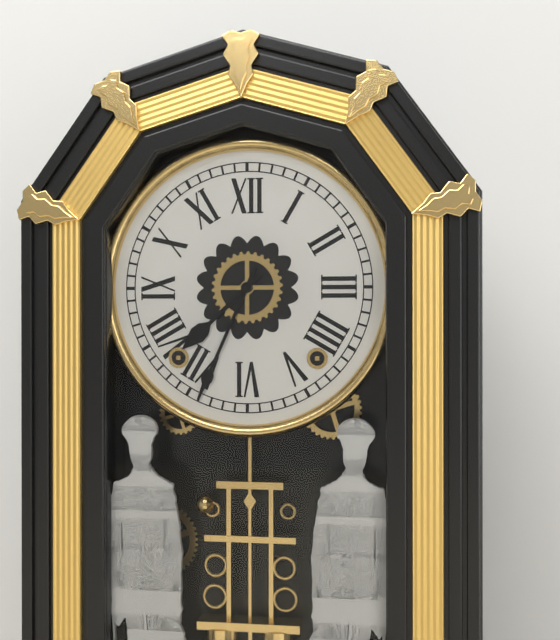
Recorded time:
{"hour": 7, "minute": 34}
